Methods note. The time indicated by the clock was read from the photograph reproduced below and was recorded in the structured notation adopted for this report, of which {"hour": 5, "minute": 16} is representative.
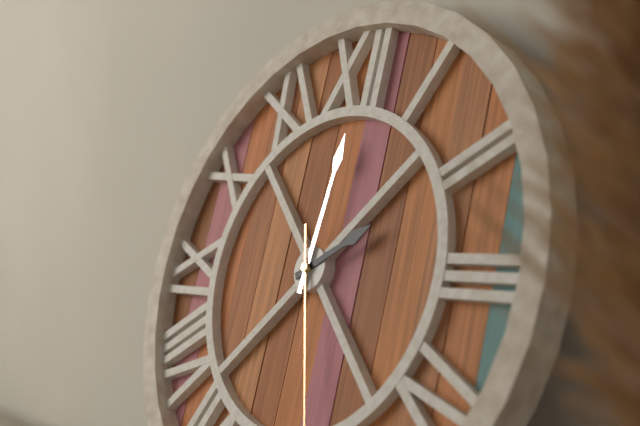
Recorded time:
{"hour": 2, "minute": 1}
